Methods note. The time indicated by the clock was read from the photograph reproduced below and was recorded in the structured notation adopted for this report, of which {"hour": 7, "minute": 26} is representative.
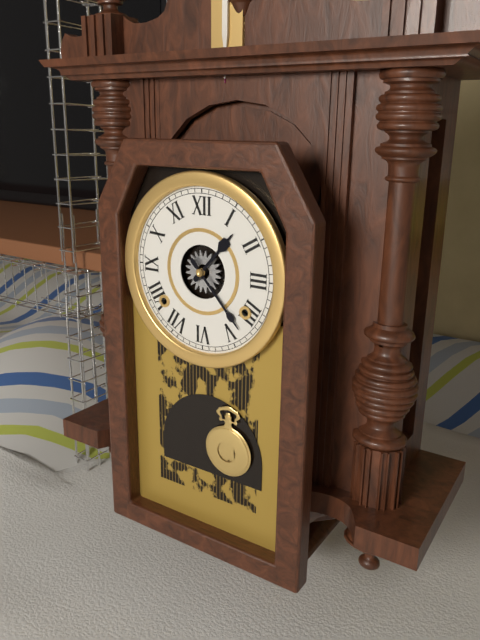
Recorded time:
{"hour": 1, "minute": 23}
